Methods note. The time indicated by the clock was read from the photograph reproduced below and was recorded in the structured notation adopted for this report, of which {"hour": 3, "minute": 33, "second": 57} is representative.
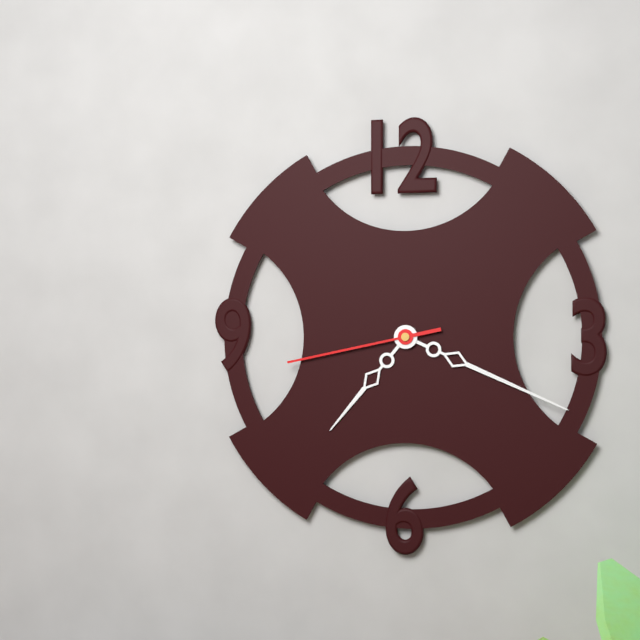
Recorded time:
{"hour": 7, "minute": 19, "second": 43}
